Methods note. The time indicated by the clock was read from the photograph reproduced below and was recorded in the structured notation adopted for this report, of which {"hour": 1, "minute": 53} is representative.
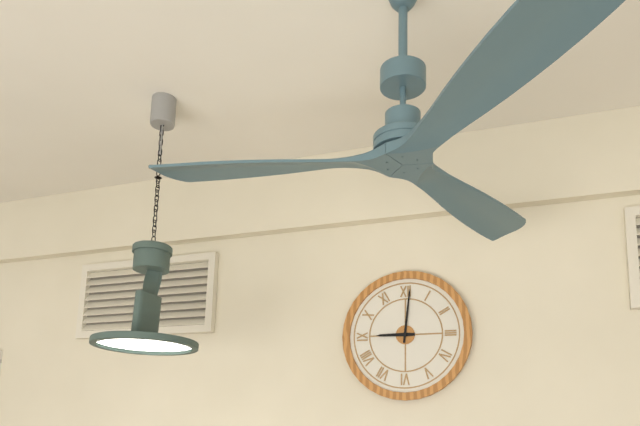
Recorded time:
{"hour": 9, "minute": 1}
